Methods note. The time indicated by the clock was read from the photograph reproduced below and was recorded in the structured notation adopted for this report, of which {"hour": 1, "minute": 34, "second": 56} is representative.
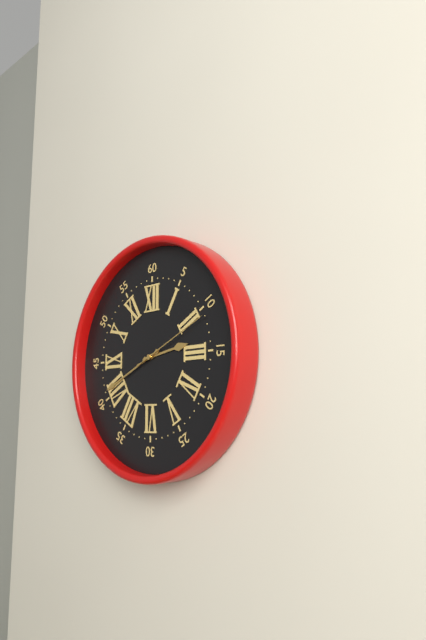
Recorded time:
{"hour": 2, "minute": 41, "second": 11}
